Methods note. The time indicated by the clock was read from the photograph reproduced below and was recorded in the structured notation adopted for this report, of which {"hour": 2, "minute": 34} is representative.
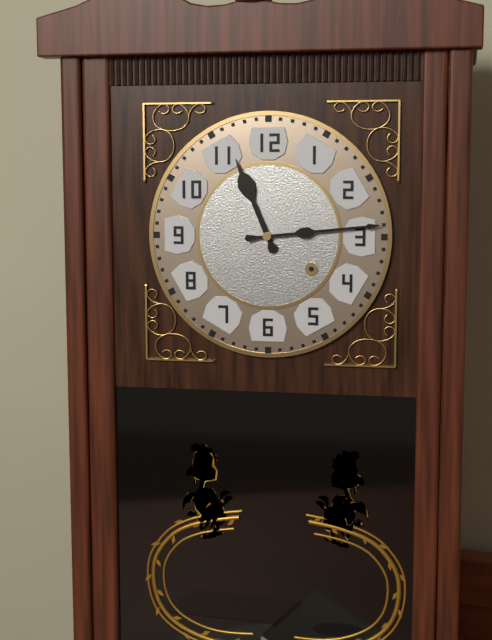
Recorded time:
{"hour": 11, "minute": 14}
